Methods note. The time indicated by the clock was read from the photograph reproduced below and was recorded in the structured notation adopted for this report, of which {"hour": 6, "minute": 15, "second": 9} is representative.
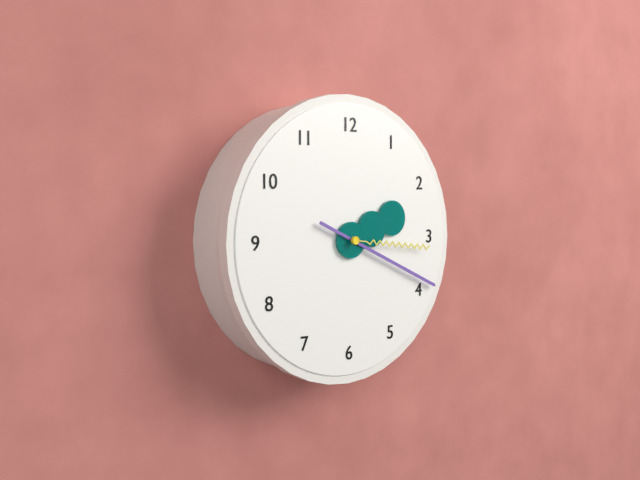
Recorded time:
{"hour": 2, "minute": 19, "second": 16}
